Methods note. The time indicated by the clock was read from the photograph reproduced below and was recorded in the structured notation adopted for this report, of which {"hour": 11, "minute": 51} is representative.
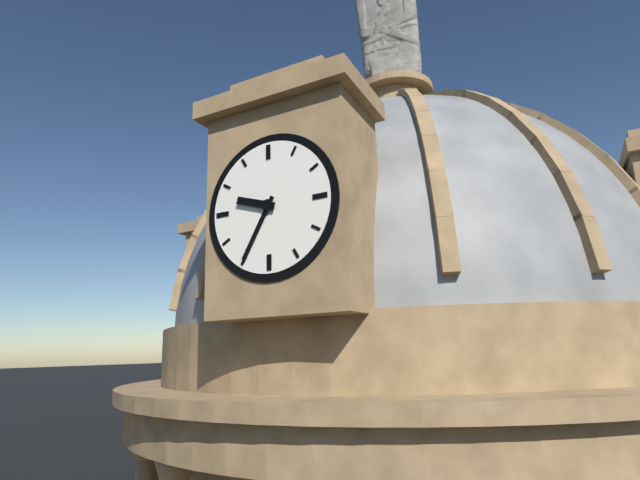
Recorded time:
{"hour": 9, "minute": 35}
